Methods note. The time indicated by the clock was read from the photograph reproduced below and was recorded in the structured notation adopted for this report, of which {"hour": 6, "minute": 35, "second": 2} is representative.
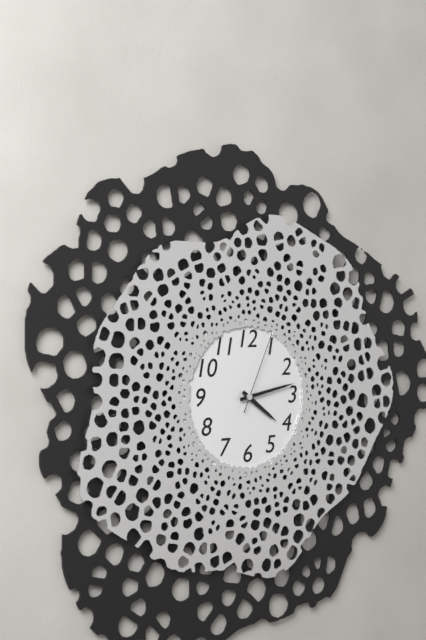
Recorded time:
{"hour": 4, "minute": 13, "second": 4}
